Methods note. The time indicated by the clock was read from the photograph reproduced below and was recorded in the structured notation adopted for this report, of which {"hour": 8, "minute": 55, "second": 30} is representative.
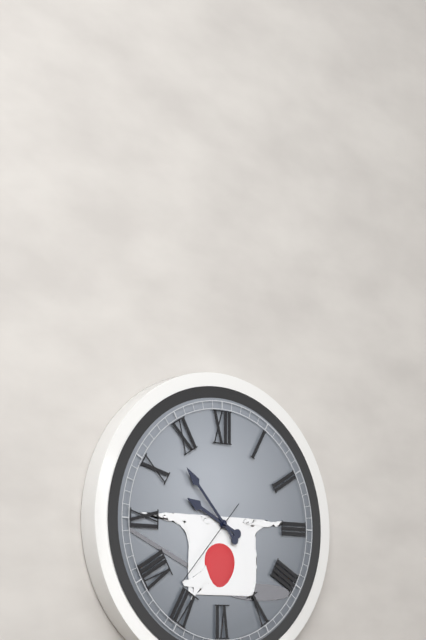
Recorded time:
{"hour": 9, "minute": 53, "second": 37}
